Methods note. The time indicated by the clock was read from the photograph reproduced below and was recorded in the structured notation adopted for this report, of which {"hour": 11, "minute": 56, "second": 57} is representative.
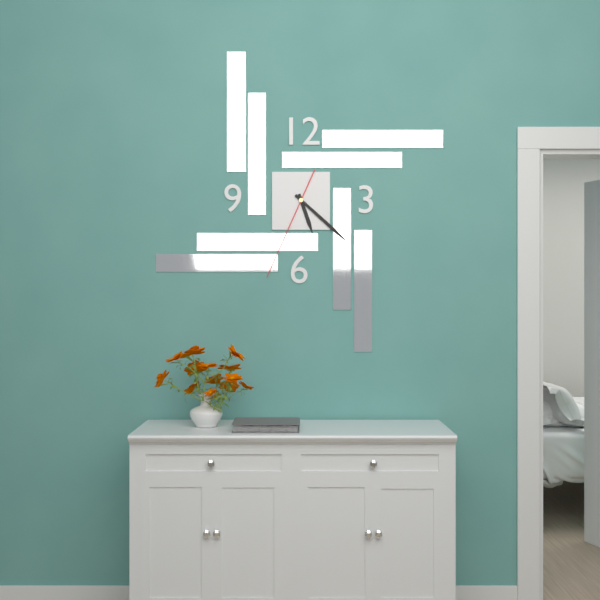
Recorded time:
{"hour": 5, "minute": 22, "second": 34}
